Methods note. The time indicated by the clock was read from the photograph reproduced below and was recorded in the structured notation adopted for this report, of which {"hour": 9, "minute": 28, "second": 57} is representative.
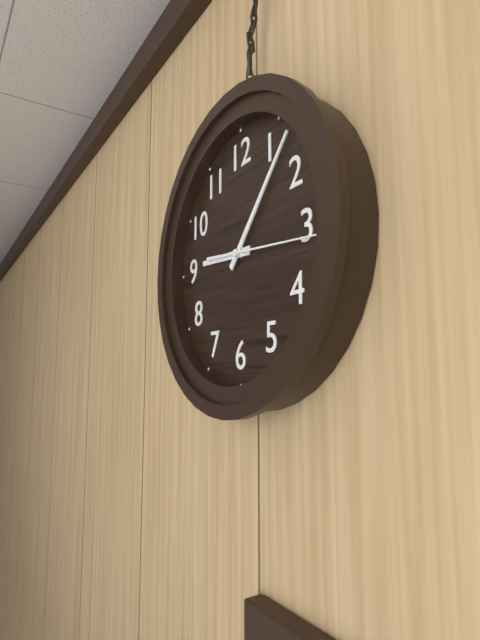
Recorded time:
{"hour": 9, "minute": 7, "second": 16}
